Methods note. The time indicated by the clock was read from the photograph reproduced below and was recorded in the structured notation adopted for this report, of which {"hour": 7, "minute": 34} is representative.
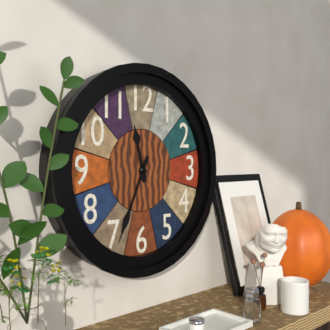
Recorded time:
{"hour": 11, "minute": 34}
